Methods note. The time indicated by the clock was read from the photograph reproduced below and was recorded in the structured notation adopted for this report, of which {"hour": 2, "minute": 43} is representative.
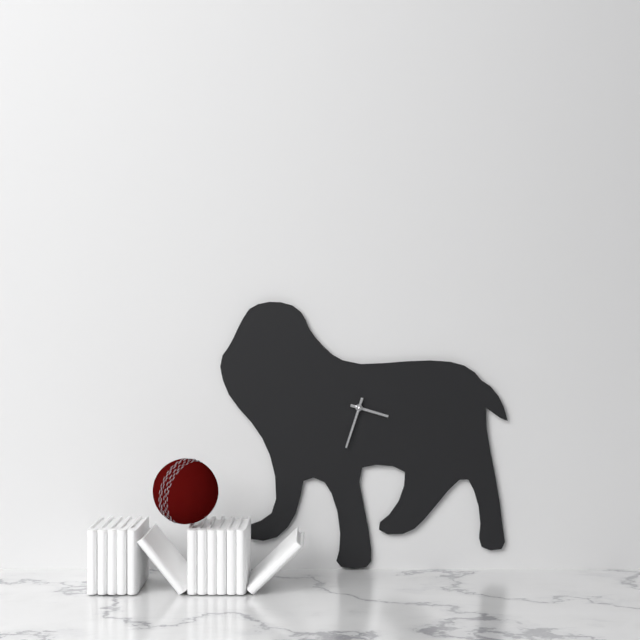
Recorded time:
{"hour": 3, "minute": 33}
